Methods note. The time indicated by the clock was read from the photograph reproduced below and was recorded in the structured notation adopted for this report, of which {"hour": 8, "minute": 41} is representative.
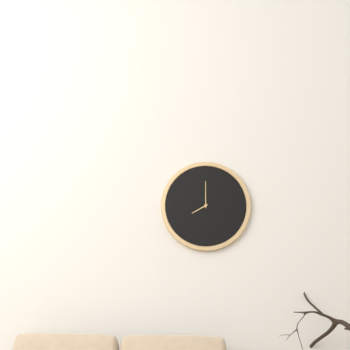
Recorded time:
{"hour": 8, "minute": 0}
